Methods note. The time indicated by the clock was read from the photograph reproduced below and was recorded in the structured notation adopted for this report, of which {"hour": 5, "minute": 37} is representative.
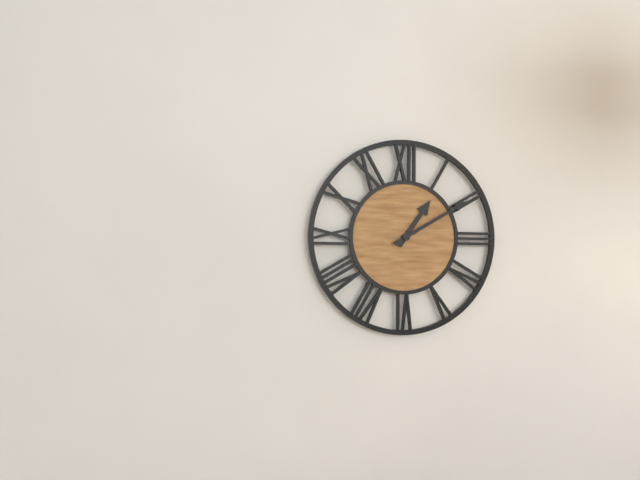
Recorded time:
{"hour": 1, "minute": 10}
